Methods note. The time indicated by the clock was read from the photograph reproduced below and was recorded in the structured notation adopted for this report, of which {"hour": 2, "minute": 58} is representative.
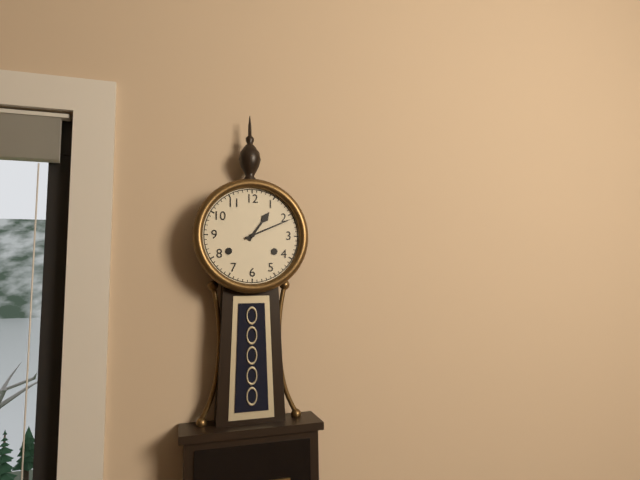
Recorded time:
{"hour": 1, "minute": 11}
